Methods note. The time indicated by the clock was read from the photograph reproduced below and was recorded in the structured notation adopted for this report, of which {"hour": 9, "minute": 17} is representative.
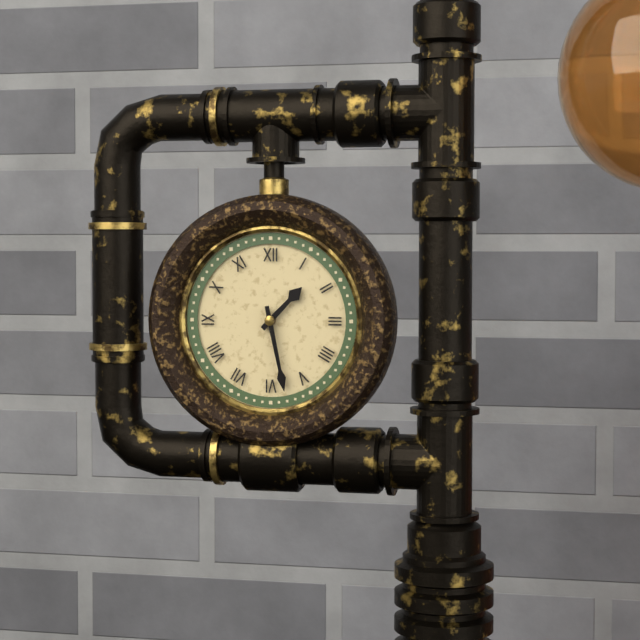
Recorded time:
{"hour": 1, "minute": 28}
